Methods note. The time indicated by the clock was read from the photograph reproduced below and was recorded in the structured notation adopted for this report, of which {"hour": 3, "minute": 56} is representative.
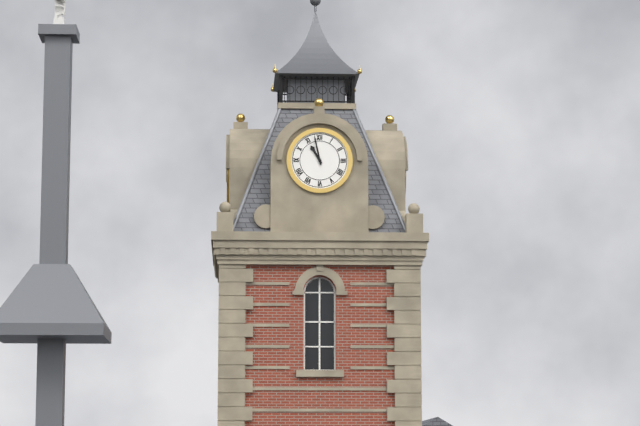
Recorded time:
{"hour": 10, "minute": 58}
